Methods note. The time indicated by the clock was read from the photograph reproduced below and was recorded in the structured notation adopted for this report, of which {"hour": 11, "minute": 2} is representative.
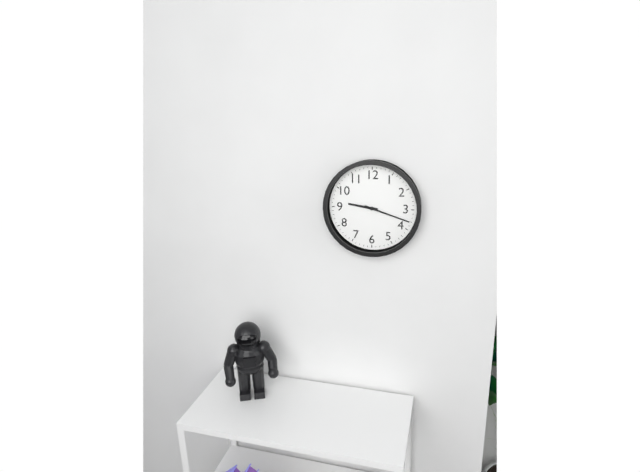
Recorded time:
{"hour": 9, "minute": 18}
